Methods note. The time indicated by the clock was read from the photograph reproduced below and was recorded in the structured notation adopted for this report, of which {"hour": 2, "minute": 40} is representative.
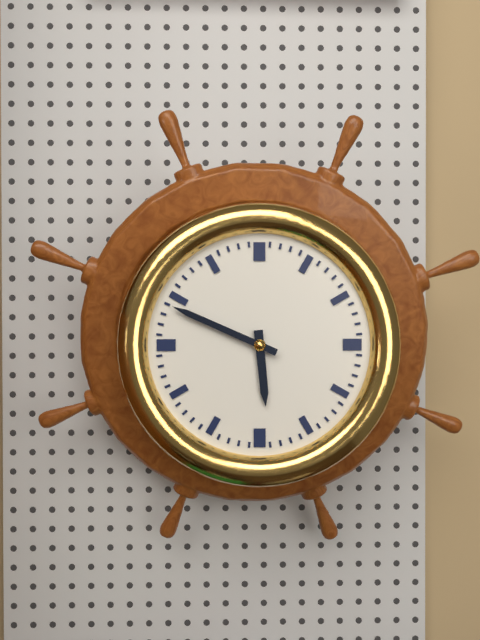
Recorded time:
{"hour": 5, "minute": 49}
